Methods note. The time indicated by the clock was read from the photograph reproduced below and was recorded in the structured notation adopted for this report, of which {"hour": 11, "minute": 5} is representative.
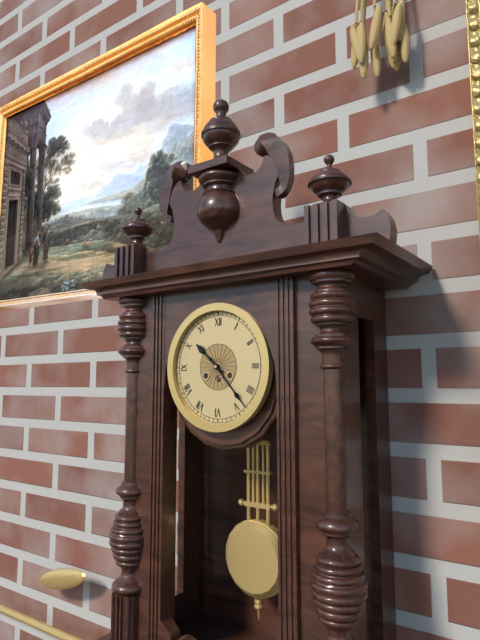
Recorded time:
{"hour": 10, "minute": 23}
